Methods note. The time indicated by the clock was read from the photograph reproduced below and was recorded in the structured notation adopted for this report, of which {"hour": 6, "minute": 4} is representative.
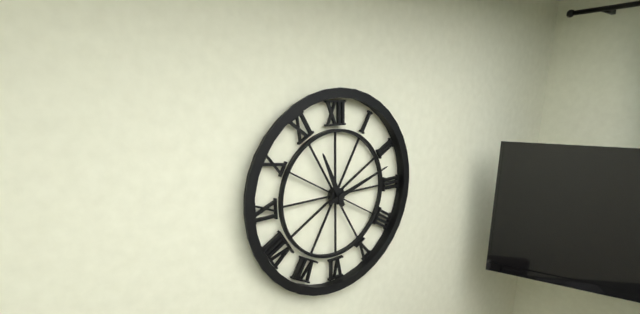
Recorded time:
{"hour": 11, "minute": 12}
